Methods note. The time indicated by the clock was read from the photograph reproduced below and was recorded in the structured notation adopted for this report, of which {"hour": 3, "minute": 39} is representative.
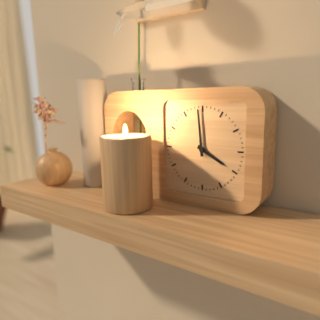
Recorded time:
{"hour": 3, "minute": 59}
